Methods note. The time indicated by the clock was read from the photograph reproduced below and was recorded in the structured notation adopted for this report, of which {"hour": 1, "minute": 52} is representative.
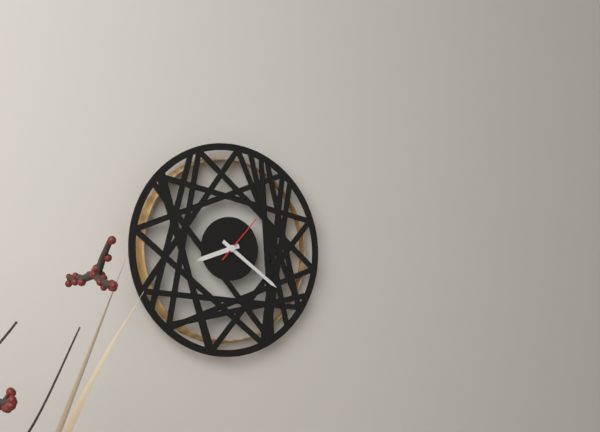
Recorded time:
{"hour": 8, "minute": 21}
